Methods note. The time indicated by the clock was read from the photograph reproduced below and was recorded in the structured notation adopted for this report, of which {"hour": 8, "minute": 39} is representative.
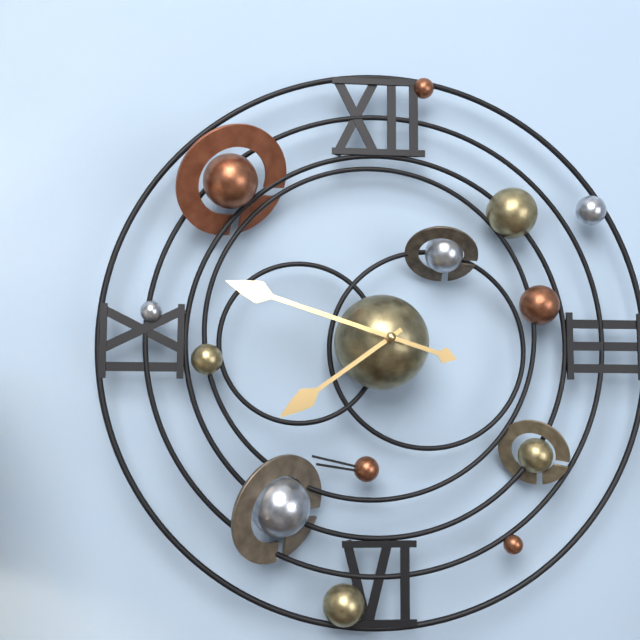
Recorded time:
{"hour": 7, "minute": 48}
